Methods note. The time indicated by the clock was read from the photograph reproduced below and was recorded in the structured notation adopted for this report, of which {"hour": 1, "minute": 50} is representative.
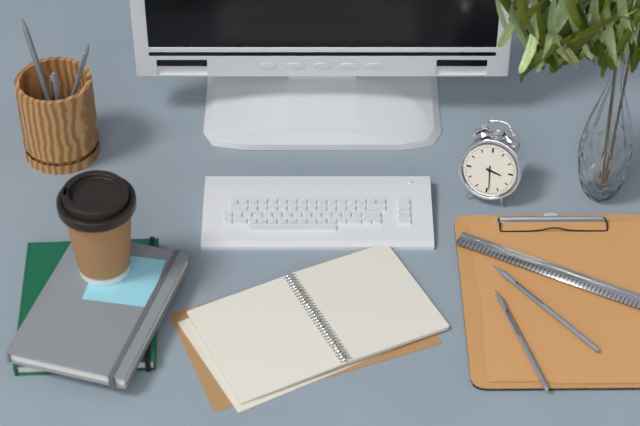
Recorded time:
{"hour": 3, "minute": 29}
